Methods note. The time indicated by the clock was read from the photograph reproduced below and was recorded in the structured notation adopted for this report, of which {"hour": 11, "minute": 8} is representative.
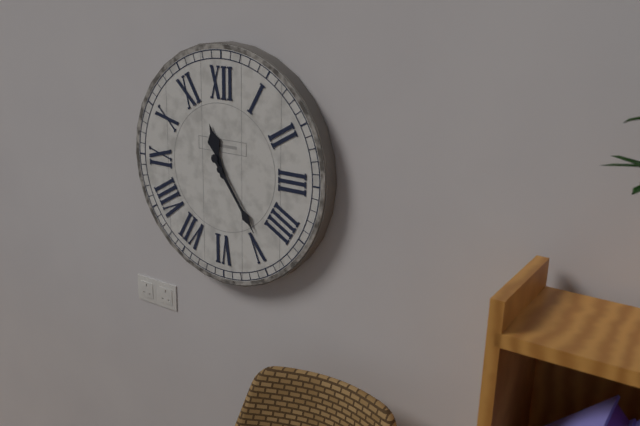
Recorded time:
{"hour": 11, "minute": 24}
